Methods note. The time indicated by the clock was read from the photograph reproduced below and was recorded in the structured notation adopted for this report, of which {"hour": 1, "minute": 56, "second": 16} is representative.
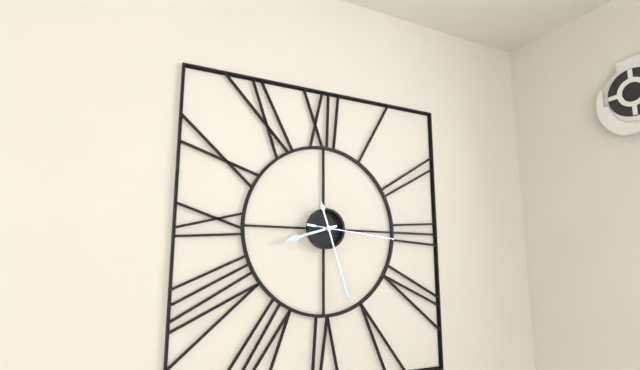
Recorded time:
{"hour": 8, "minute": 27, "second": 16}
